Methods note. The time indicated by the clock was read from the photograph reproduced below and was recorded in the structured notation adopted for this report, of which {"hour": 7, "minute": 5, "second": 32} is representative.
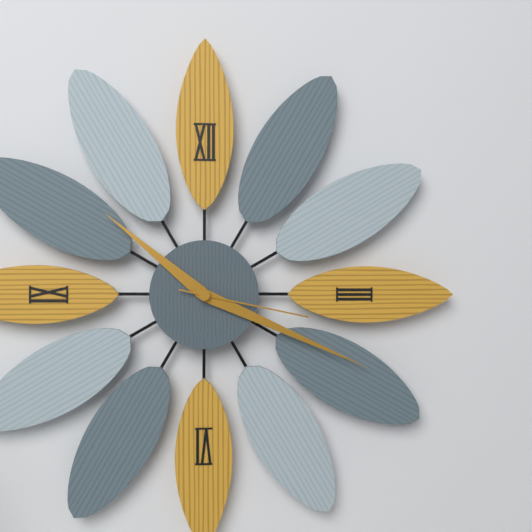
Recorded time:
{"hour": 10, "minute": 19, "second": 17}
